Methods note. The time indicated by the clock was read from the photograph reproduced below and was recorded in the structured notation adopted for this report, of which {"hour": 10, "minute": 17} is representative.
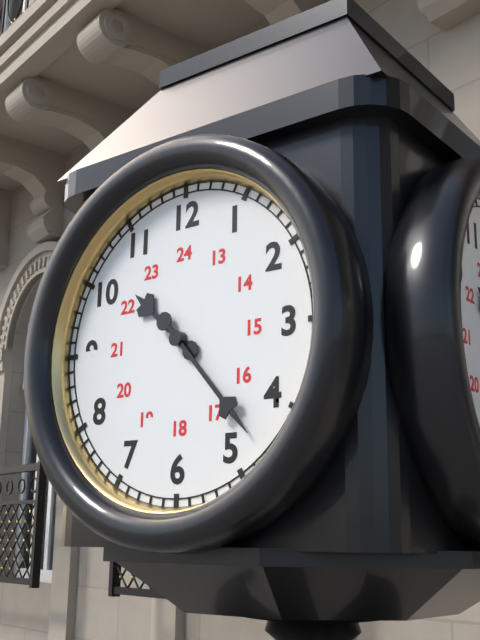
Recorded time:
{"hour": 10, "minute": 23}
